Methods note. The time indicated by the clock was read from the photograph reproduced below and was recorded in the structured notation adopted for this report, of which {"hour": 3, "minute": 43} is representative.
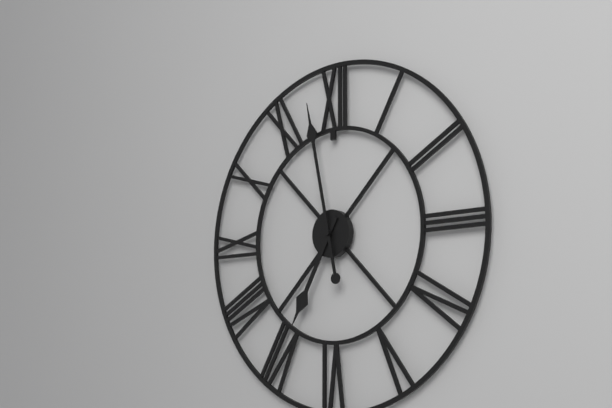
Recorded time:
{"hour": 6, "minute": 58}
